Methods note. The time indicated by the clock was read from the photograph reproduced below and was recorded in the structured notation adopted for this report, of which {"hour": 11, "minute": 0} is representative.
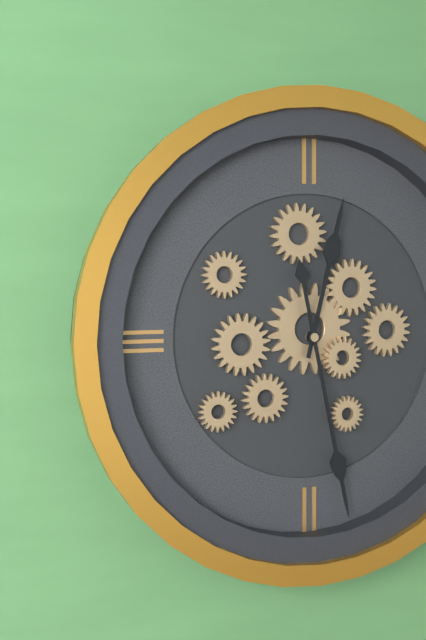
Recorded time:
{"hour": 12, "minute": 28}
